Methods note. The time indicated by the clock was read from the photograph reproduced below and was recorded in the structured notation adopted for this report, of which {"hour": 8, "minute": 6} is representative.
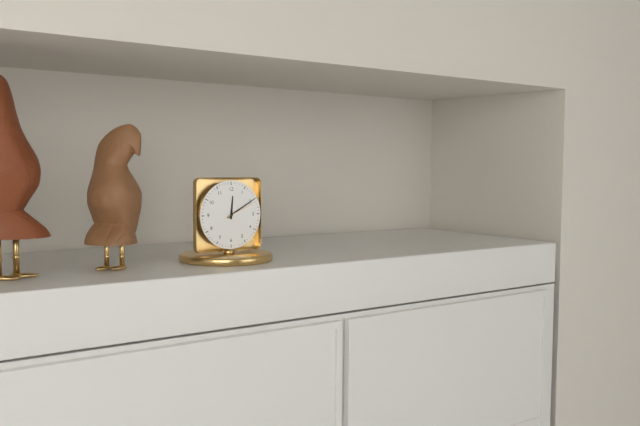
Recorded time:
{"hour": 12, "minute": 10}
